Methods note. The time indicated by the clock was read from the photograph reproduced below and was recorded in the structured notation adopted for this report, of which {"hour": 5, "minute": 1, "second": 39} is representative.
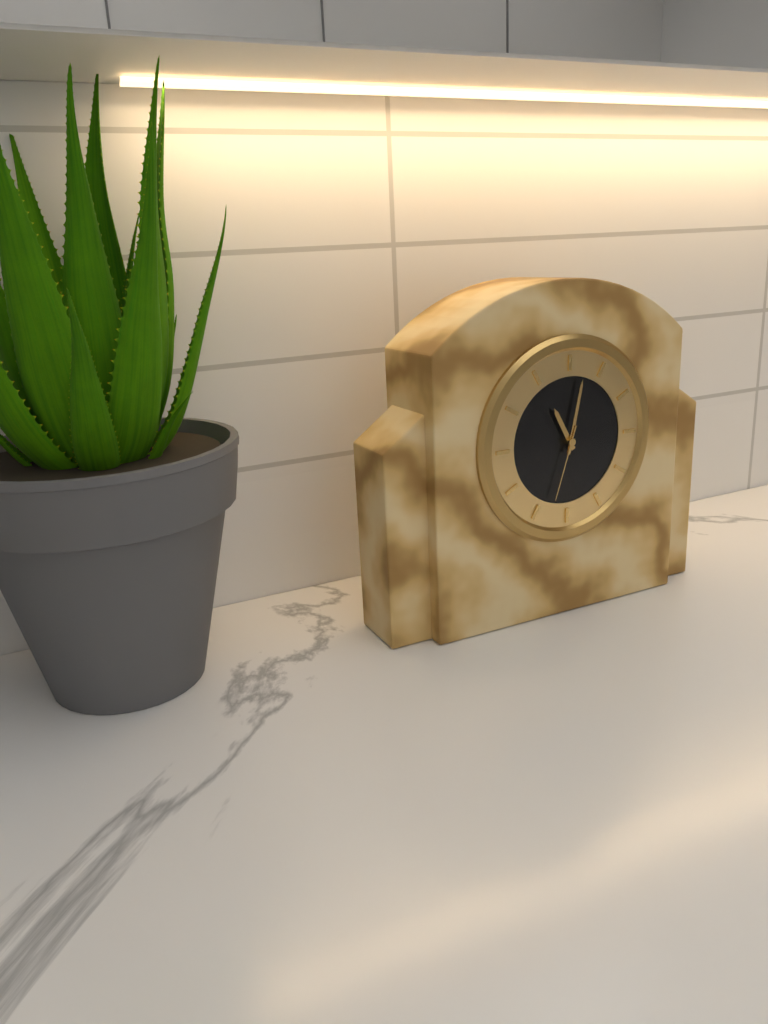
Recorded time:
{"hour": 11, "minute": 2, "second": 33}
